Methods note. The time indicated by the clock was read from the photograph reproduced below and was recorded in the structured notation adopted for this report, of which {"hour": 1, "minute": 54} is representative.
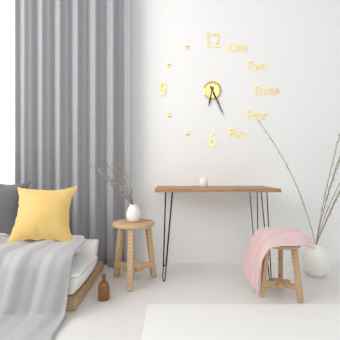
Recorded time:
{"hour": 6, "minute": 26}
